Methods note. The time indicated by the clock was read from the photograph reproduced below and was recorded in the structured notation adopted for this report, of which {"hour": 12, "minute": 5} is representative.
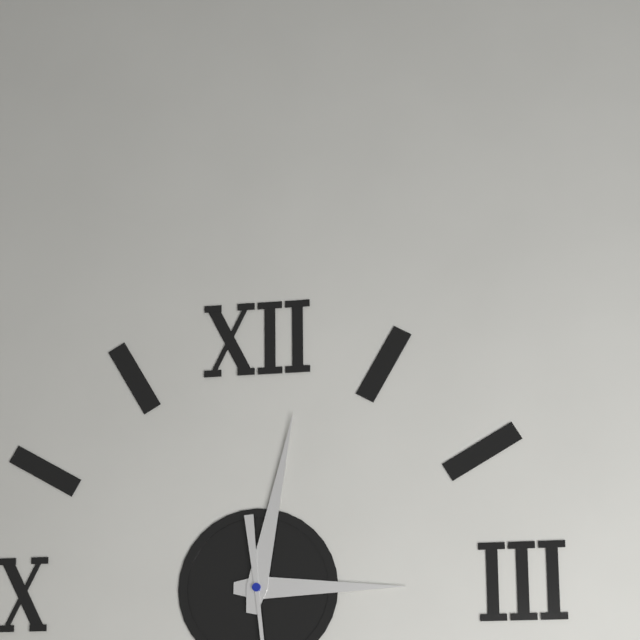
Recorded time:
{"hour": 3, "minute": 2}
